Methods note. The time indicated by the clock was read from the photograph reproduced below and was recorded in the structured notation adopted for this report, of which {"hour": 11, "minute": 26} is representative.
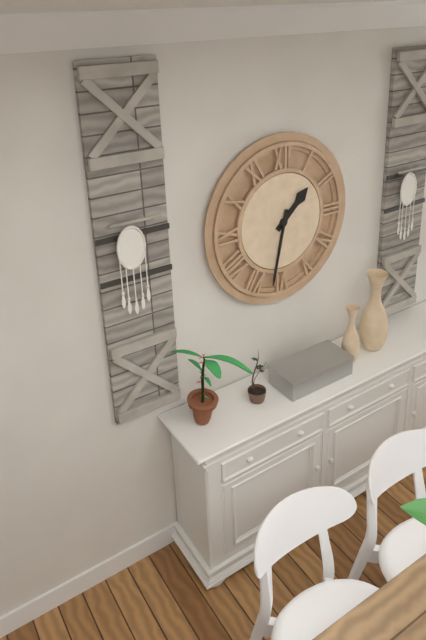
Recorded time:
{"hour": 1, "minute": 32}
